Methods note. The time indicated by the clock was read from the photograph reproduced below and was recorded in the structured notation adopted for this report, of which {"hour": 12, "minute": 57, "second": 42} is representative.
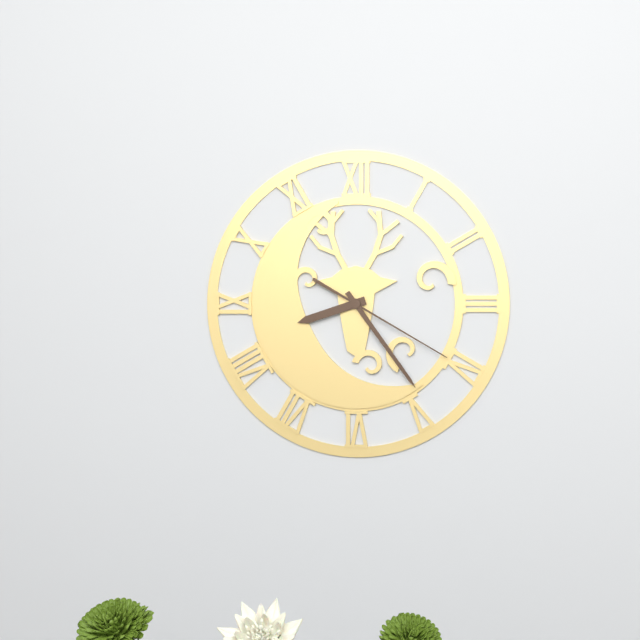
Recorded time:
{"hour": 8, "minute": 24, "second": 20}
